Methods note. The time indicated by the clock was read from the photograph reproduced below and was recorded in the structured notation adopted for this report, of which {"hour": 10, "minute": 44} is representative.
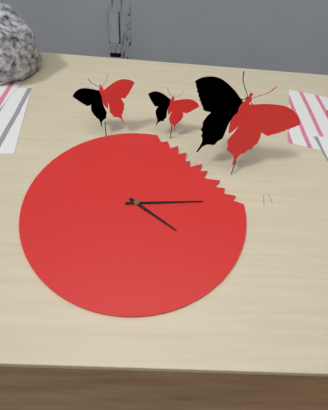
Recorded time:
{"hour": 4, "minute": 14}
